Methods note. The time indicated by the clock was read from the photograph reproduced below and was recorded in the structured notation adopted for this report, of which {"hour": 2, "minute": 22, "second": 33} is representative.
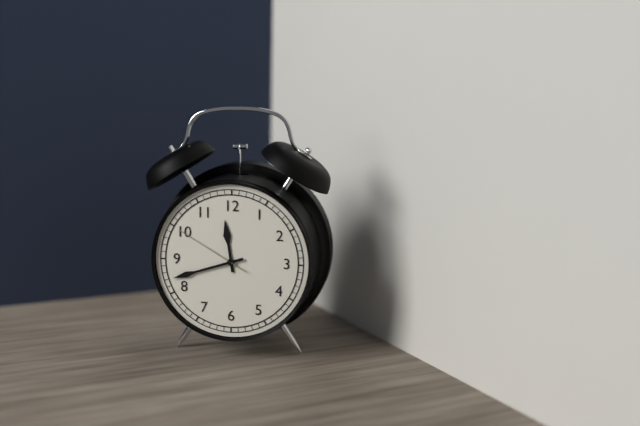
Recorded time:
{"hour": 11, "minute": 42, "second": 50}
